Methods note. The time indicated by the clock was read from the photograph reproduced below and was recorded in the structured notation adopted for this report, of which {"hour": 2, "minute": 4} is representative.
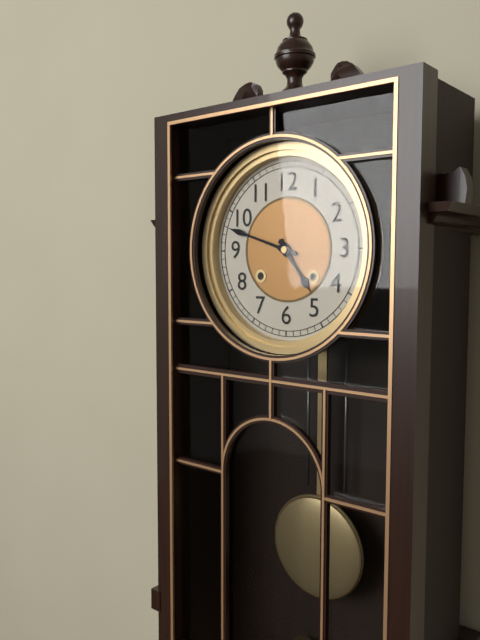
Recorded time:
{"hour": 4, "minute": 48}
